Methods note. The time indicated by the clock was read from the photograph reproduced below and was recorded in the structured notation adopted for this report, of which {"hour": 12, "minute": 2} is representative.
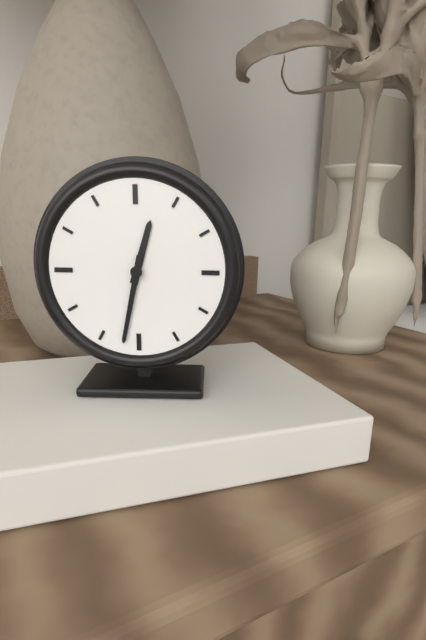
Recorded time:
{"hour": 12, "minute": 32}
